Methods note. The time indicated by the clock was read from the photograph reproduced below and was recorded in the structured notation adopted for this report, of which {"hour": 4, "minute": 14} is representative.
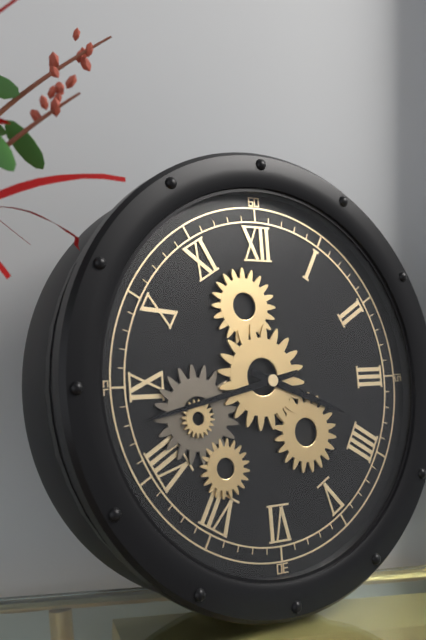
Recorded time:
{"hour": 3, "minute": 43}
